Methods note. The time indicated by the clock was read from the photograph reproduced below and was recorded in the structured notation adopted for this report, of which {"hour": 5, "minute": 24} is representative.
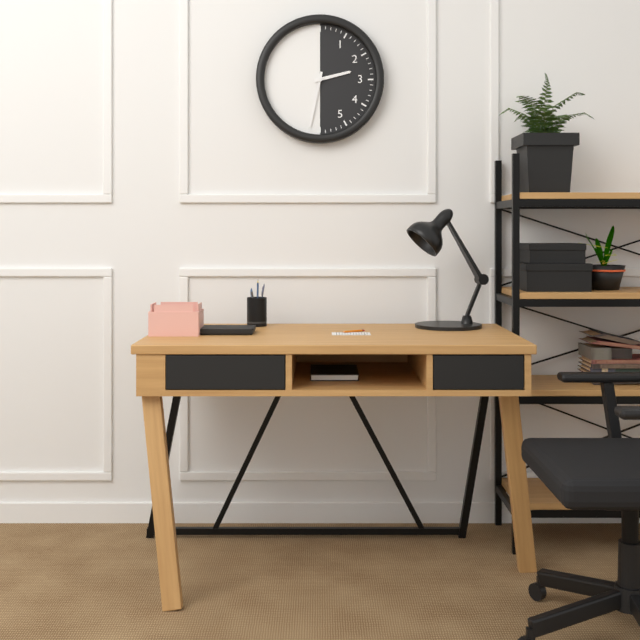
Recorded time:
{"hour": 2, "minute": 32}
